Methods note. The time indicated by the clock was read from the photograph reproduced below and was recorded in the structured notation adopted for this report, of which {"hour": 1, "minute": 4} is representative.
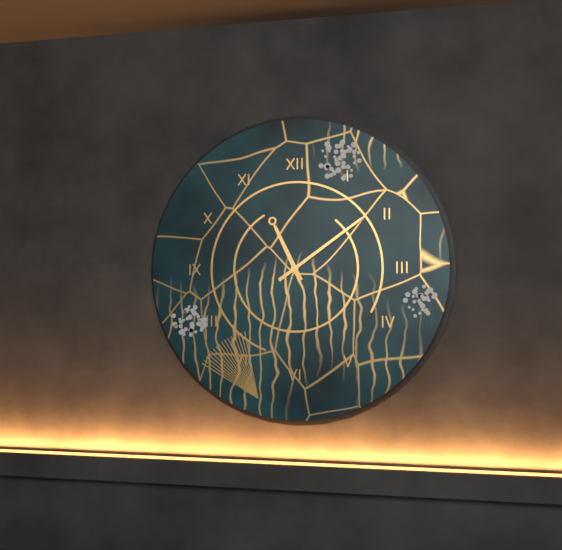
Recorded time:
{"hour": 11, "minute": 9}
